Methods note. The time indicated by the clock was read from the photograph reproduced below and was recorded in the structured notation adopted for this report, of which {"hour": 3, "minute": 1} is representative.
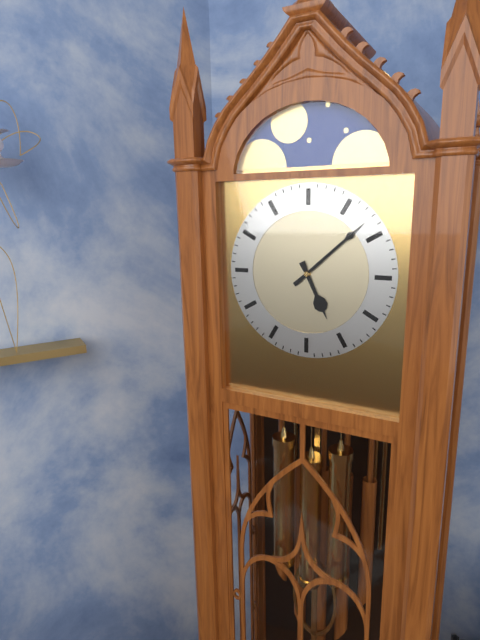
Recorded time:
{"hour": 5, "minute": 8}
